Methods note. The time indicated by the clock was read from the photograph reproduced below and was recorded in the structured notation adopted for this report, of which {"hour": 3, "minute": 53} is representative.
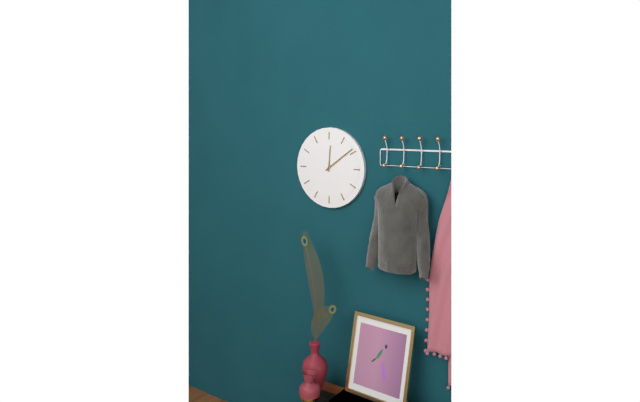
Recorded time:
{"hour": 12, "minute": 9}
